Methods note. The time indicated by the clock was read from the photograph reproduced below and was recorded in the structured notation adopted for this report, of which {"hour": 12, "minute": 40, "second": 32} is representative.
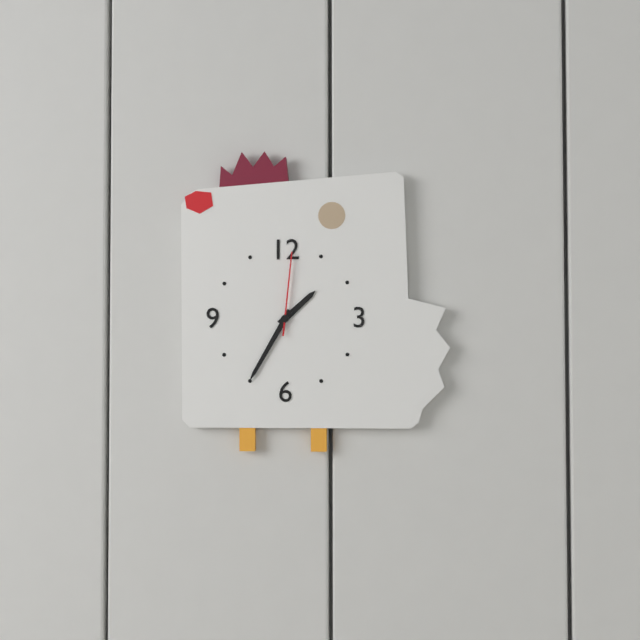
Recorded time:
{"hour": 1, "minute": 35, "second": 1}
